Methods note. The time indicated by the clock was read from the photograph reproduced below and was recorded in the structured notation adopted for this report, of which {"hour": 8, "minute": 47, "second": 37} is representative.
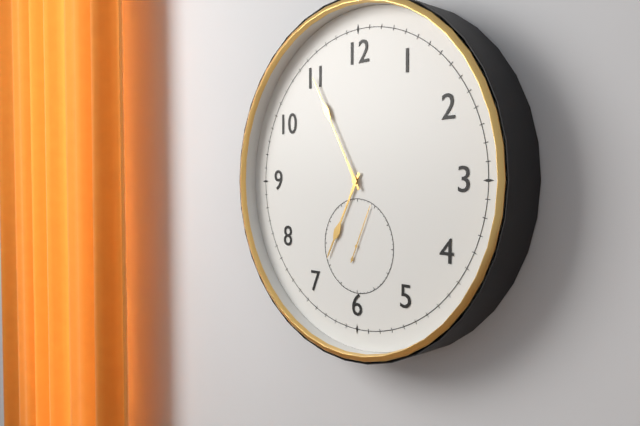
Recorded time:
{"hour": 6, "minute": 55, "second": 4}
